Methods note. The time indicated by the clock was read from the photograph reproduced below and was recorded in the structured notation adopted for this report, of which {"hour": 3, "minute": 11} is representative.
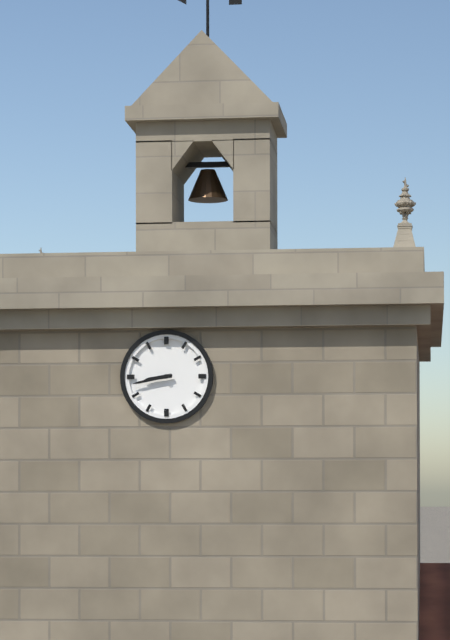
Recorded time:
{"hour": 8, "minute": 43}
